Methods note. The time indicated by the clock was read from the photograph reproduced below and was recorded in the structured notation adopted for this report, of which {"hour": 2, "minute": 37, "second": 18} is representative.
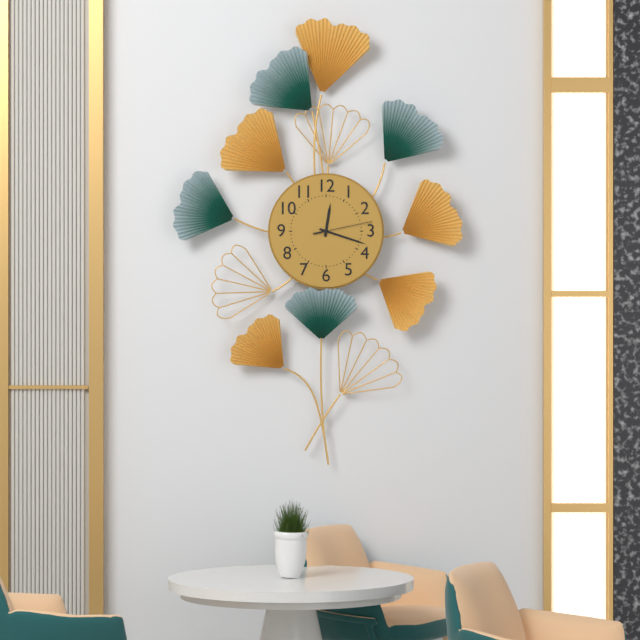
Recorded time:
{"hour": 12, "minute": 18, "second": 13}
